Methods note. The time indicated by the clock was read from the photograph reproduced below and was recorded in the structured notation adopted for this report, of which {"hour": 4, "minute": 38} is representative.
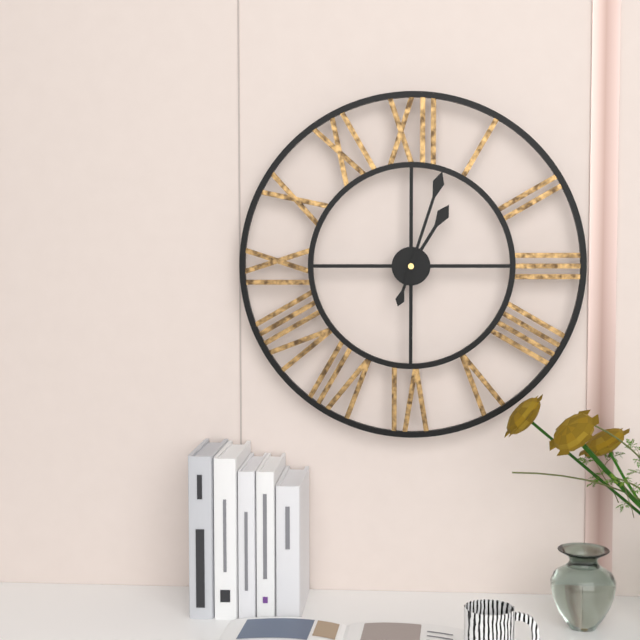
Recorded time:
{"hour": 1, "minute": 3}
